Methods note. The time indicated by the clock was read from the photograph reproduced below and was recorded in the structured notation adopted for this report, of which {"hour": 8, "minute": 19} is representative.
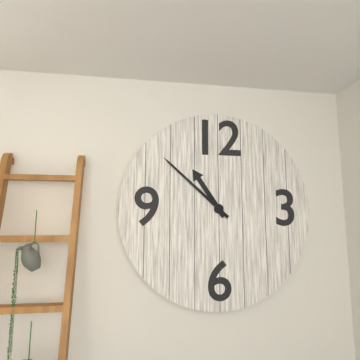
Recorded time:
{"hour": 10, "minute": 52}
